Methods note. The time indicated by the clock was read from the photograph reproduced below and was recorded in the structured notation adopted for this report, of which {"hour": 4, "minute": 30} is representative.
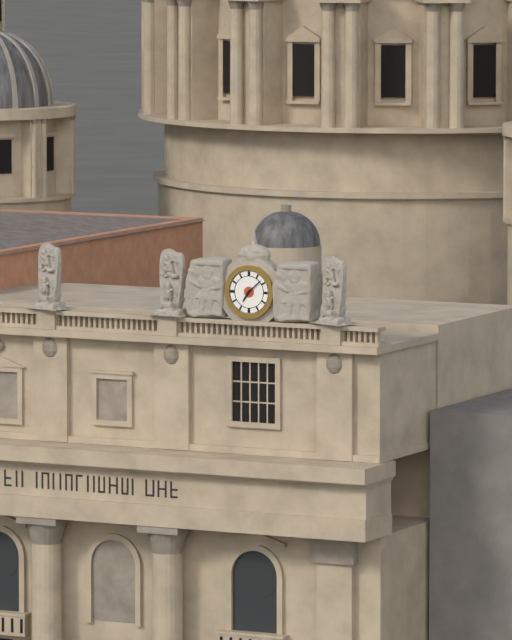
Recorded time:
{"hour": 7, "minute": 8}
